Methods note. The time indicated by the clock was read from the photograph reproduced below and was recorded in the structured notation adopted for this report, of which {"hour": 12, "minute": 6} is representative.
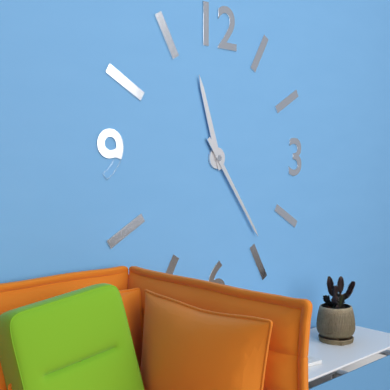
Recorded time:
{"hour": 11, "minute": 24}
